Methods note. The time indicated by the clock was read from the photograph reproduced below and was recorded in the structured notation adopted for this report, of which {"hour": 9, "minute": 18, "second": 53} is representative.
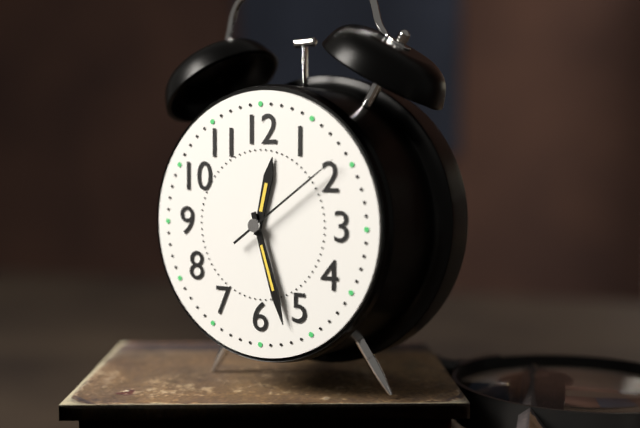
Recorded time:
{"hour": 12, "minute": 27, "second": 9}
